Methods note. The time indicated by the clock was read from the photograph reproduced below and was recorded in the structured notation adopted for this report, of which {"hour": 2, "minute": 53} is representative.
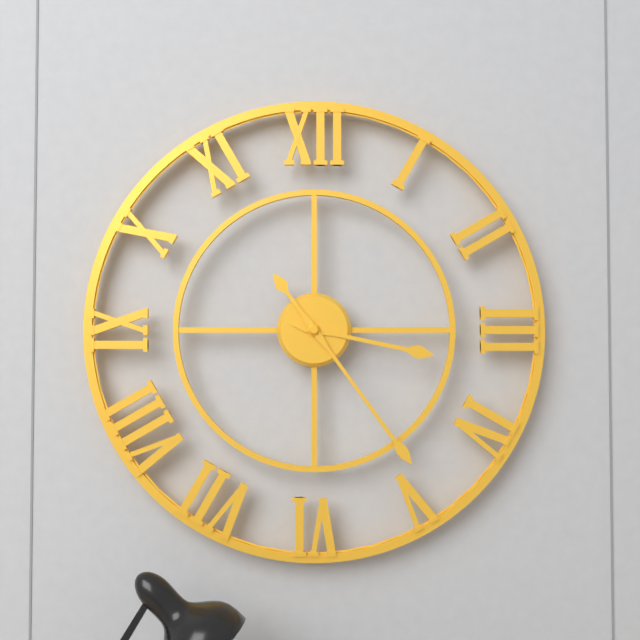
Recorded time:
{"hour": 3, "minute": 24}
